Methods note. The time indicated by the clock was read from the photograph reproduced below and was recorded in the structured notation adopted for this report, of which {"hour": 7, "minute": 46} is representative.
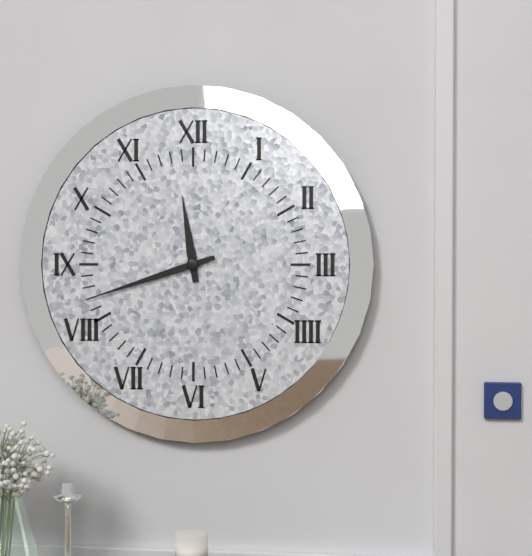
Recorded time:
{"hour": 11, "minute": 42}
